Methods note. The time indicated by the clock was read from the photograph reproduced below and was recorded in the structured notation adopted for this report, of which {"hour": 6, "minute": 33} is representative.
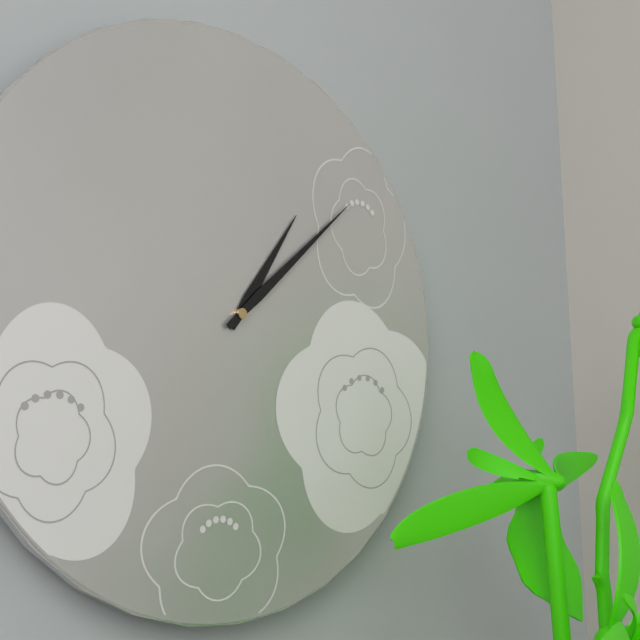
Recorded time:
{"hour": 1, "minute": 8}
